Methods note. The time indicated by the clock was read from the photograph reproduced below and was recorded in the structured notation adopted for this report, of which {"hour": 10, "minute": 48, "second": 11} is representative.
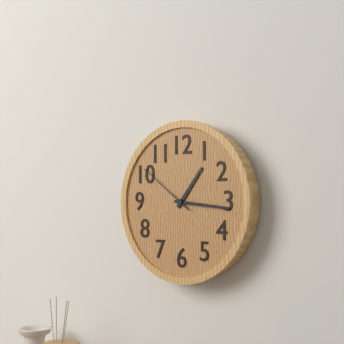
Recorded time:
{"hour": 1, "minute": 16, "second": 51}
